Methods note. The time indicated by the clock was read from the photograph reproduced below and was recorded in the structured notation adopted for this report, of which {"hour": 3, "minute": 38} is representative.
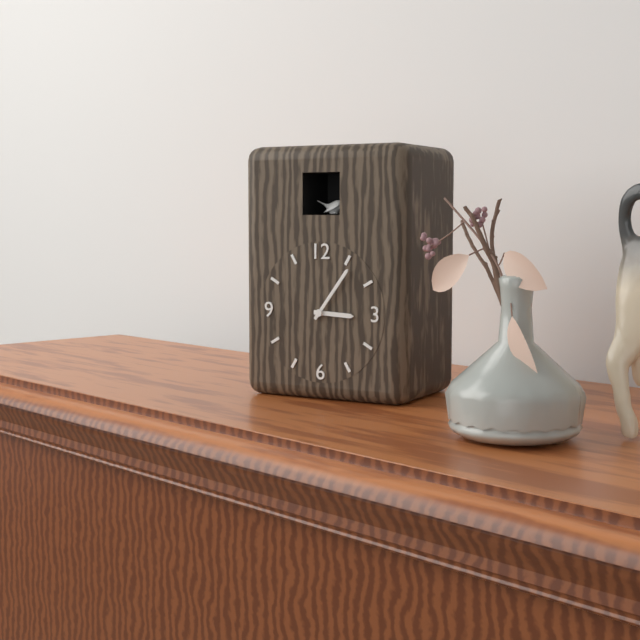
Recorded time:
{"hour": 3, "minute": 6}
